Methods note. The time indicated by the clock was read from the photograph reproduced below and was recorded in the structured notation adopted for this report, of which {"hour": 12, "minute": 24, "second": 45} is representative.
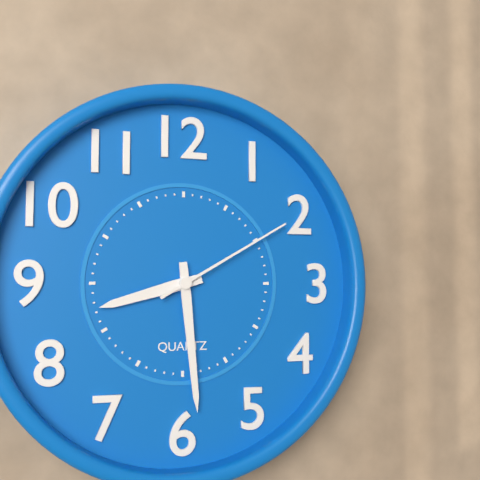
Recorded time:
{"hour": 8, "minute": 29, "second": 10}
